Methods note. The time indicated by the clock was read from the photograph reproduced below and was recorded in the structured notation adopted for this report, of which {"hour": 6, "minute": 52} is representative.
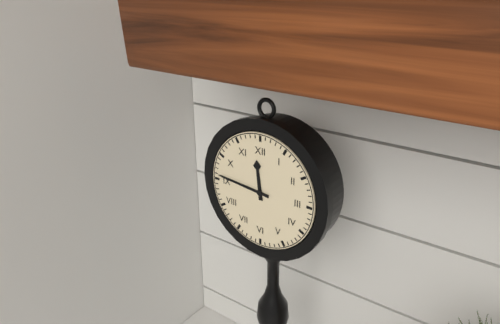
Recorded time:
{"hour": 11, "minute": 46}
